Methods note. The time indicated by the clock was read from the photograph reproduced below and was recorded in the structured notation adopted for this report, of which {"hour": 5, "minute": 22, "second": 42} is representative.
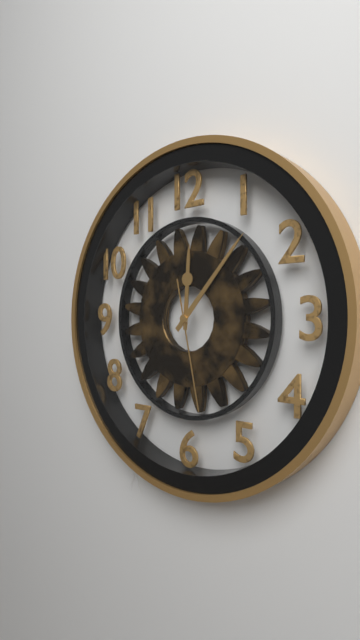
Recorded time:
{"hour": 12, "minute": 7, "second": 28}
